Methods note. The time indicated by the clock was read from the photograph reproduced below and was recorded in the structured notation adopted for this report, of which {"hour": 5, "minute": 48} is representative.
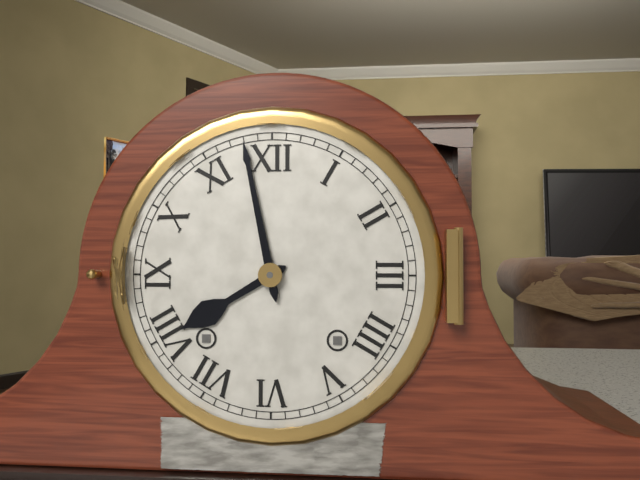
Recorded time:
{"hour": 7, "minute": 58}
